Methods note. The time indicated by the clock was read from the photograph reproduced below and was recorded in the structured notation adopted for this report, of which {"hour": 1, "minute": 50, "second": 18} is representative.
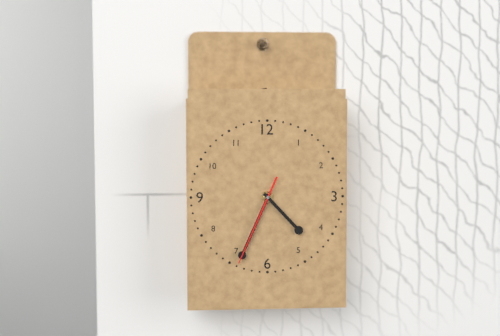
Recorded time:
{"hour": 4, "minute": 34, "second": 34}
